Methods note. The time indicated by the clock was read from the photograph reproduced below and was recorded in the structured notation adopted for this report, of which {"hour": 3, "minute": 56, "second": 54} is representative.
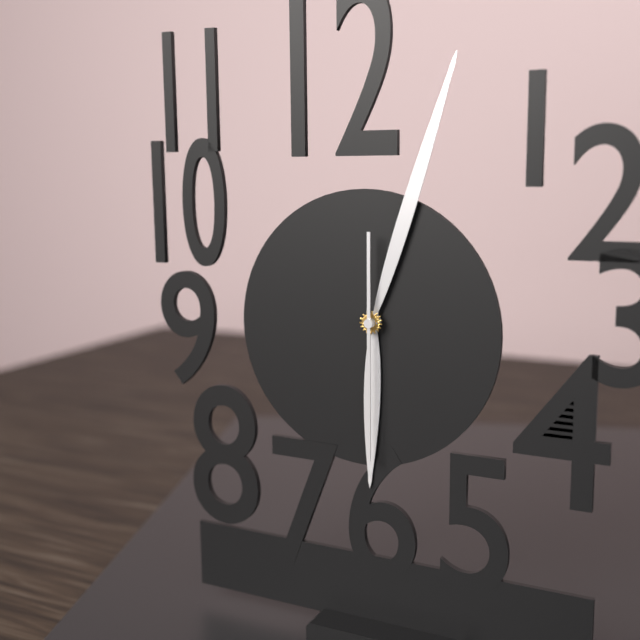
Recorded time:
{"hour": 6, "minute": 3, "second": 30}
